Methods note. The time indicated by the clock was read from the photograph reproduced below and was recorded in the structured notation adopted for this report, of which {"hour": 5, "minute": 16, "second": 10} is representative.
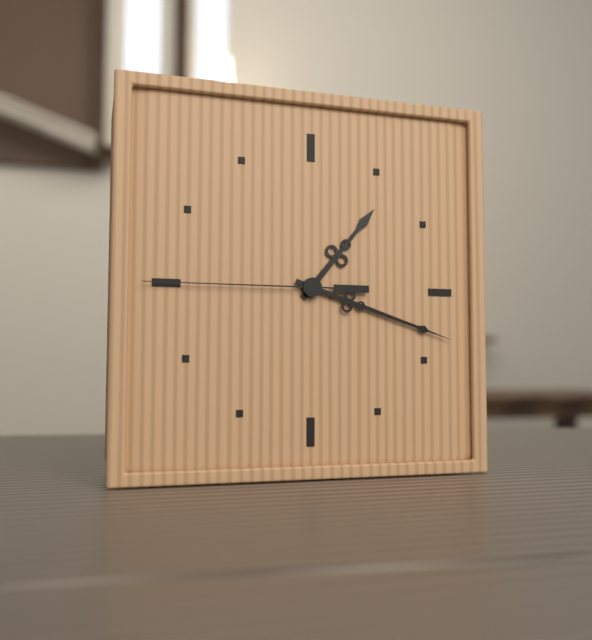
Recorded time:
{"hour": 1, "minute": 18, "second": 45}
